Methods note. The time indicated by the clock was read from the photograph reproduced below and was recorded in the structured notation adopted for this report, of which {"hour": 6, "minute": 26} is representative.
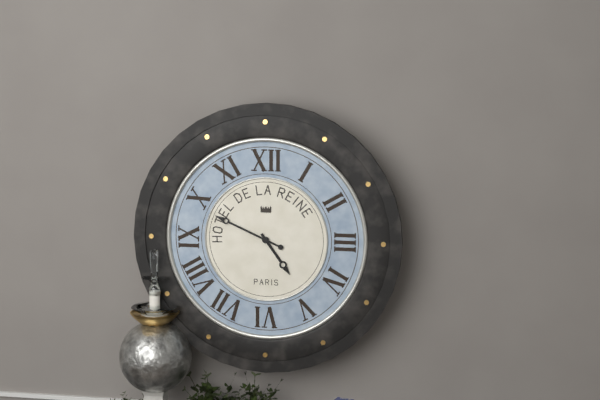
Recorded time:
{"hour": 4, "minute": 49}
